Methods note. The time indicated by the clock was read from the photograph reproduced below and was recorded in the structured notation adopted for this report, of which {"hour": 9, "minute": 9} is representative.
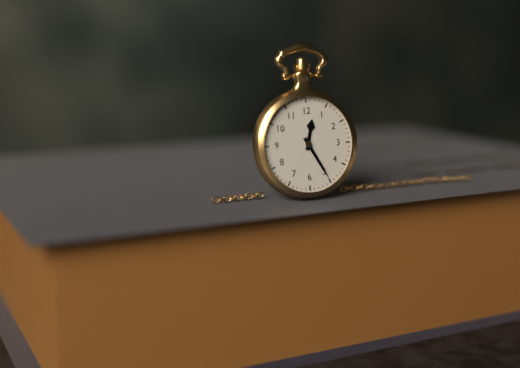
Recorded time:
{"hour": 12, "minute": 25}
